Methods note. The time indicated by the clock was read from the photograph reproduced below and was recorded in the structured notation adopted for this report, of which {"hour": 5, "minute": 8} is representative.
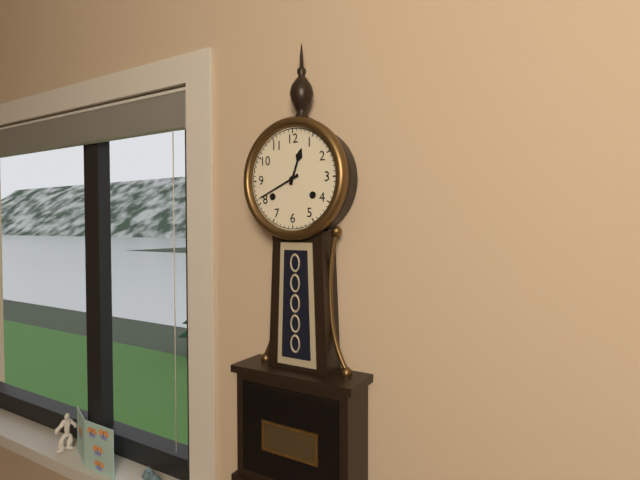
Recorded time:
{"hour": 12, "minute": 41}
